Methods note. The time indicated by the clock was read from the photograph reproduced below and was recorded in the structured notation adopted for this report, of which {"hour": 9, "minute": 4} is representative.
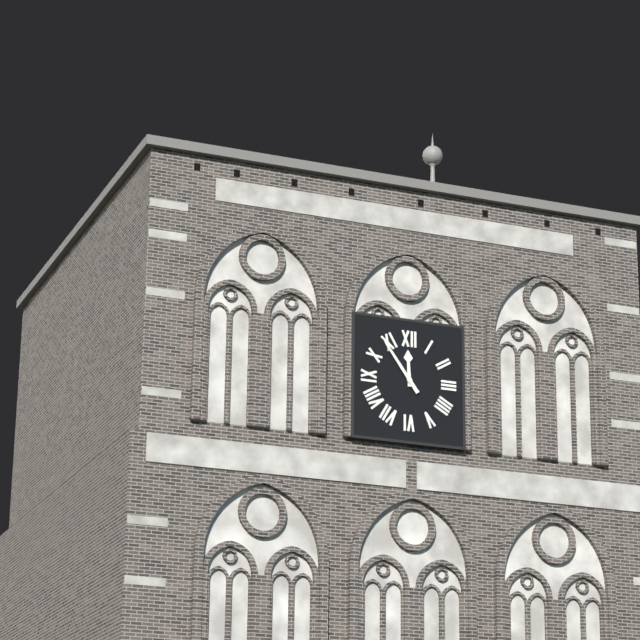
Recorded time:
{"hour": 11, "minute": 54}
